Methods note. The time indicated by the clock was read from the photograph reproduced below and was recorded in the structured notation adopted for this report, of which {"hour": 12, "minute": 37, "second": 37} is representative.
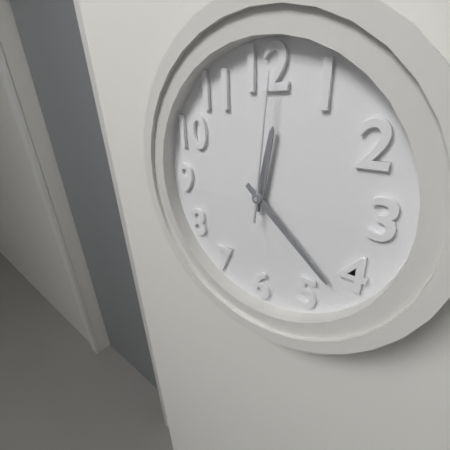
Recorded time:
{"hour": 12, "minute": 22, "second": 1}
